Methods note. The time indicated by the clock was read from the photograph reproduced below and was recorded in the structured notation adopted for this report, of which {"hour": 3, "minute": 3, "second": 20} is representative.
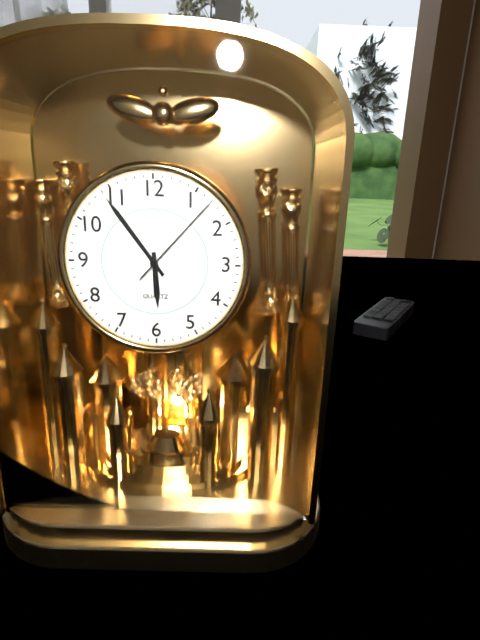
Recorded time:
{"hour": 5, "minute": 54, "second": 7}
